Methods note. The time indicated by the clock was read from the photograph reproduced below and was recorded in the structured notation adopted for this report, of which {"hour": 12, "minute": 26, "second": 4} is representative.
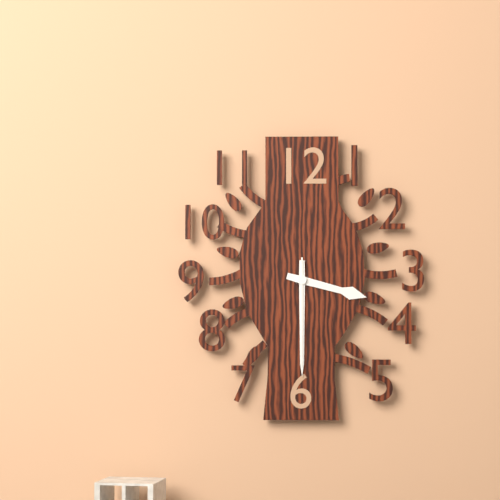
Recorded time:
{"hour": 3, "minute": 30, "second": 30}
